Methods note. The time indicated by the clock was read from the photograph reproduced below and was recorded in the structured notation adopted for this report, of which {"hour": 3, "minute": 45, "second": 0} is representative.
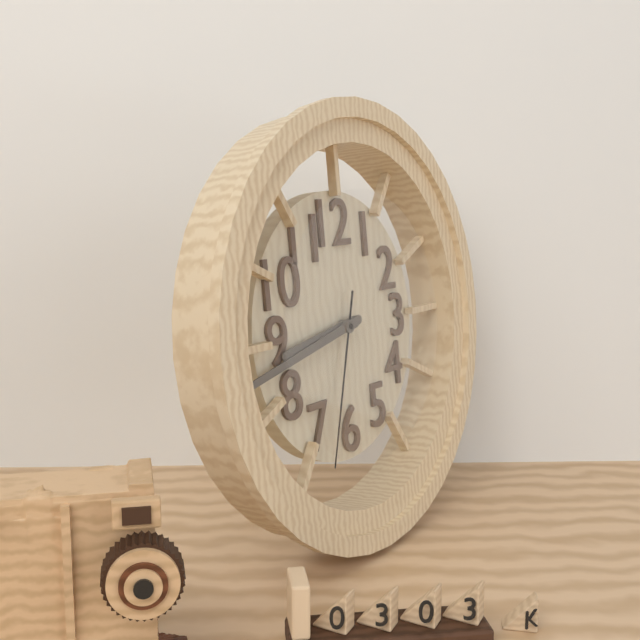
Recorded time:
{"hour": 8, "minute": 43, "second": 33}
